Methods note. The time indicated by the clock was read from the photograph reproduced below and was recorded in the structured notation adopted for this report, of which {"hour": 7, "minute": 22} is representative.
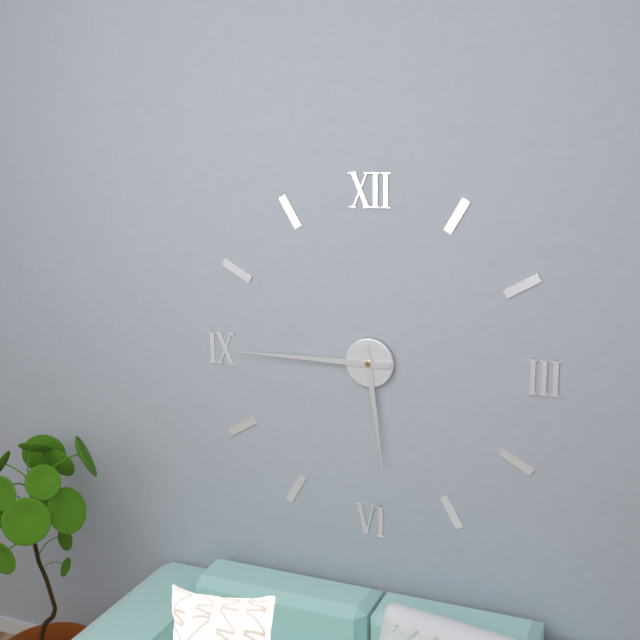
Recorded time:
{"hour": 5, "minute": 45}
